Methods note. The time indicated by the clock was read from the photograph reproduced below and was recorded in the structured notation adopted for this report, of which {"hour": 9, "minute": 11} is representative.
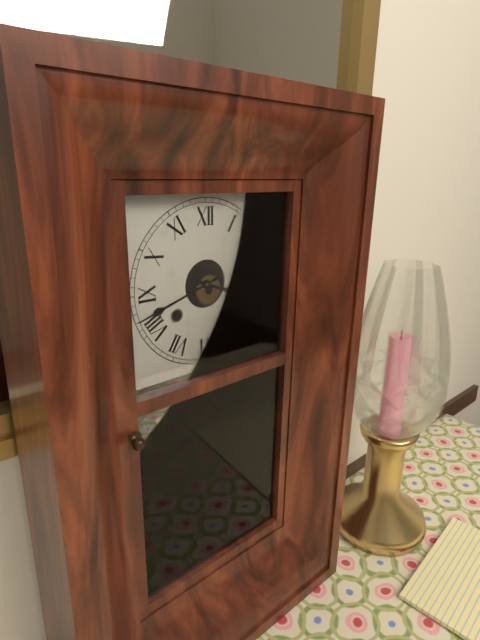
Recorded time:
{"hour": 3, "minute": 42}
